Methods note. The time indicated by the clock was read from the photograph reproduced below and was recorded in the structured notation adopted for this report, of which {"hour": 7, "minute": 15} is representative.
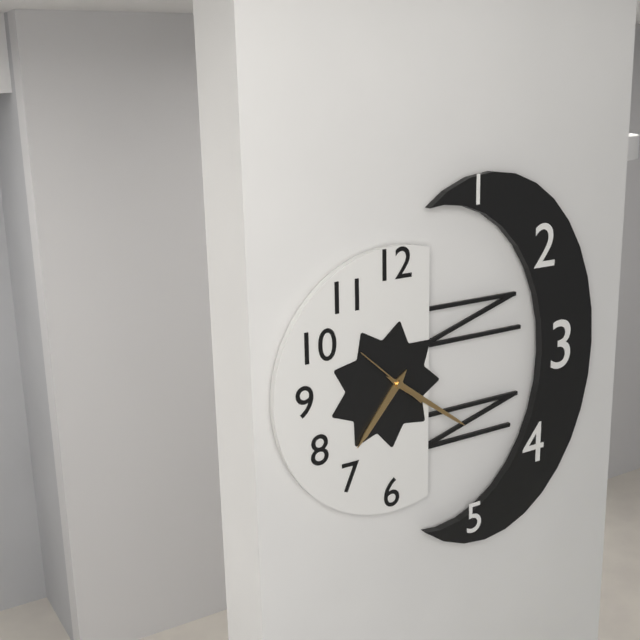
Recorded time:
{"hour": 7, "minute": 21}
